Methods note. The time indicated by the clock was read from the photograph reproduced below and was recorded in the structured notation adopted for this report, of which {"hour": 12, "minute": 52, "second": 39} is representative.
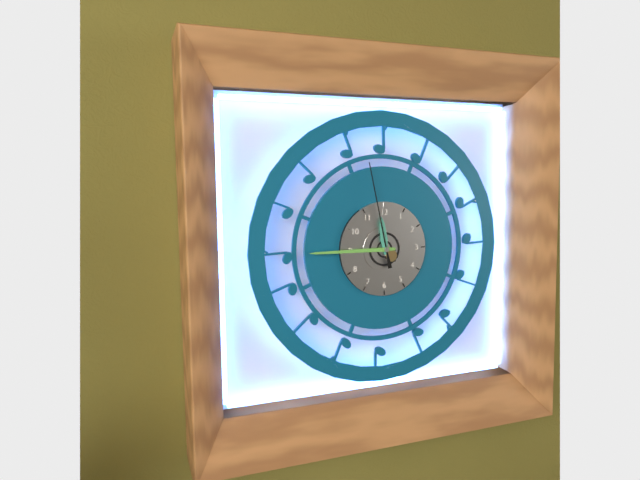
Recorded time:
{"hour": 11, "minute": 45, "second": 58}
